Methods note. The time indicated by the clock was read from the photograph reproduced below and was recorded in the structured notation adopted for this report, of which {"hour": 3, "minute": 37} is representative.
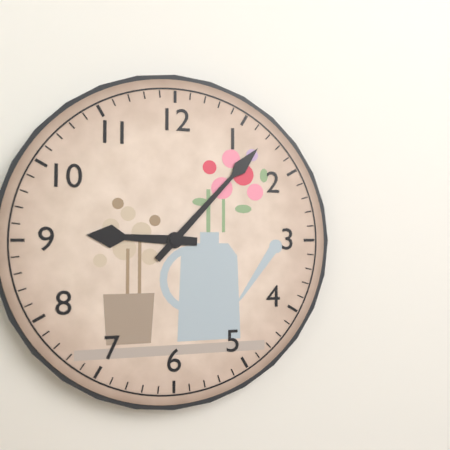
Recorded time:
{"hour": 9, "minute": 7}
